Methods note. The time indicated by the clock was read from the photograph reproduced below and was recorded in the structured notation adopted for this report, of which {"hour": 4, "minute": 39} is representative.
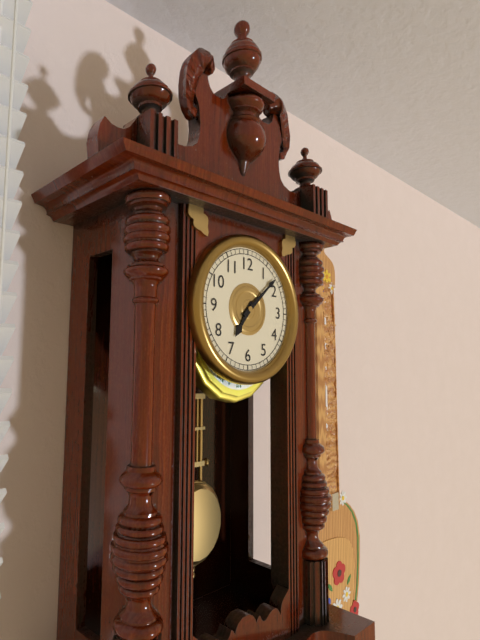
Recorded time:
{"hour": 7, "minute": 8}
